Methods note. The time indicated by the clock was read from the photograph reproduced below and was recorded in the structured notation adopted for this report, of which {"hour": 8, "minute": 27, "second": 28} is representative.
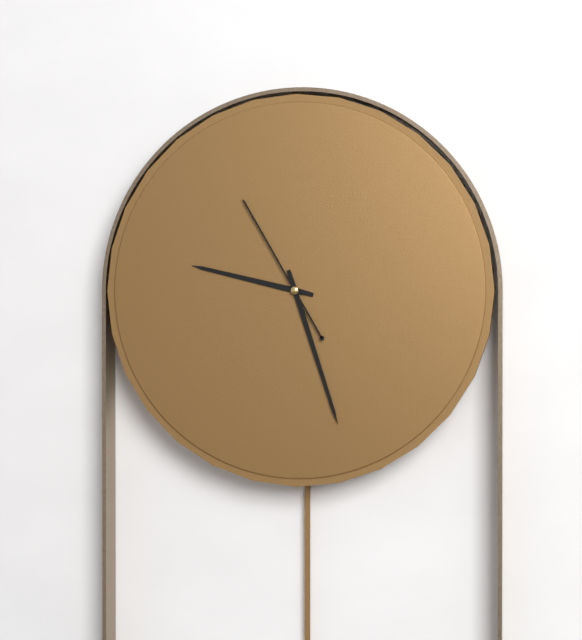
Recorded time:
{"hour": 9, "minute": 27, "second": 55}
